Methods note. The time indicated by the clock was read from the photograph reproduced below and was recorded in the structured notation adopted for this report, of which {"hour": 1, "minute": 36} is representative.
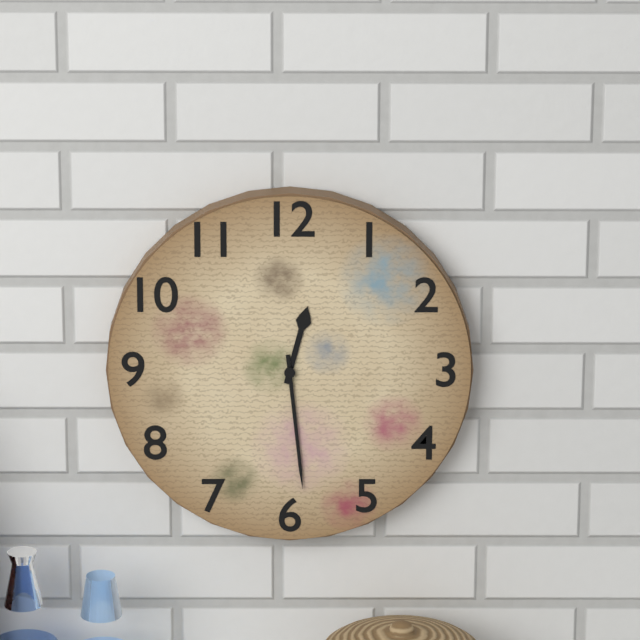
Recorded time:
{"hour": 12, "minute": 29}
